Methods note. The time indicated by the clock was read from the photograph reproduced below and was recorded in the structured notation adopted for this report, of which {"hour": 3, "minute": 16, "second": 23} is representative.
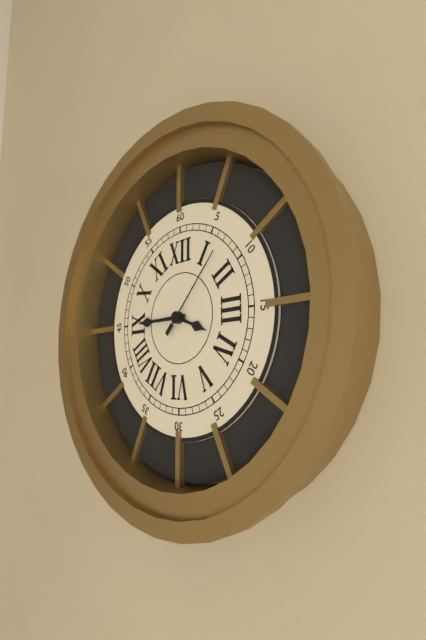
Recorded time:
{"hour": 3, "minute": 45, "second": 7}
